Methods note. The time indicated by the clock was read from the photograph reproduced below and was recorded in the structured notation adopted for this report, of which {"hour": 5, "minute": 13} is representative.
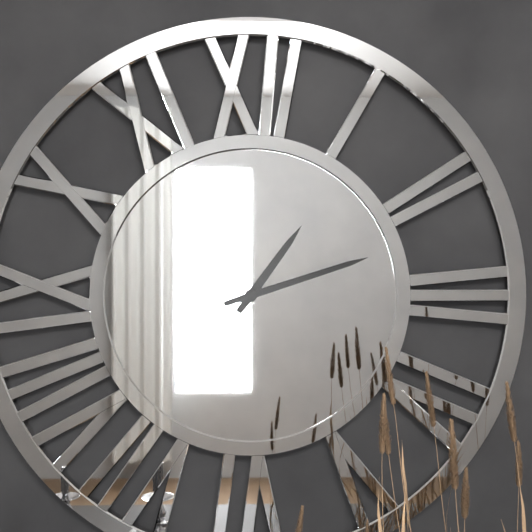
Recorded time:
{"hour": 1, "minute": 12}
